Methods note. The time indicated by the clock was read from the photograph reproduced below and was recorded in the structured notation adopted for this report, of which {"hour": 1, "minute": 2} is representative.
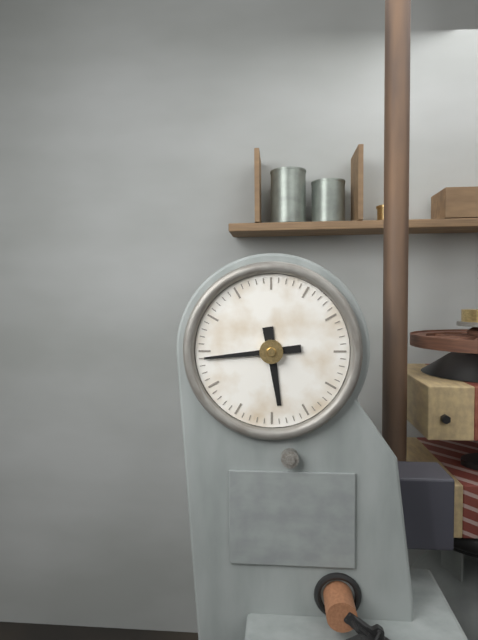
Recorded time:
{"hour": 5, "minute": 44}
